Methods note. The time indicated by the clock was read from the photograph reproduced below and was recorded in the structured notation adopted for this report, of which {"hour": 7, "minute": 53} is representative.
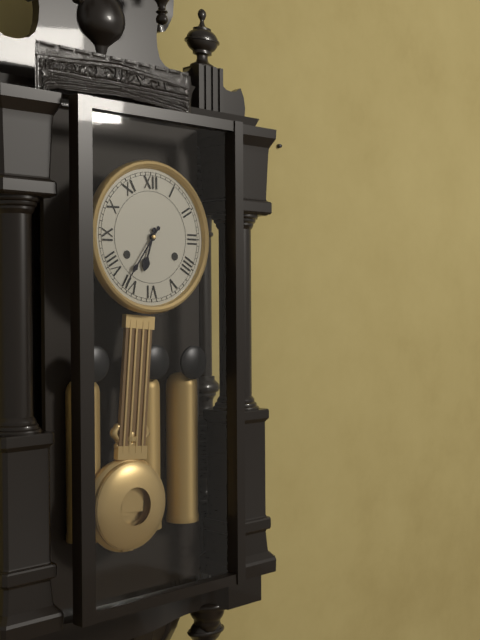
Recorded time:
{"hour": 6, "minute": 36}
